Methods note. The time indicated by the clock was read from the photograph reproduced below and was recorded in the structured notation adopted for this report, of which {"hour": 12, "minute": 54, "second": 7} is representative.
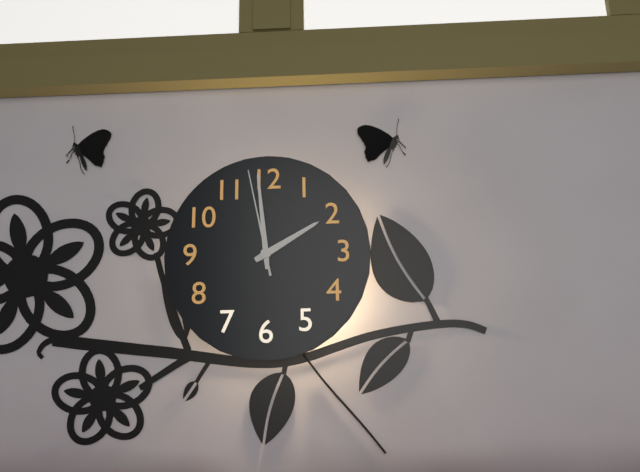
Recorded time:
{"hour": 1, "minute": 59, "second": 58}
